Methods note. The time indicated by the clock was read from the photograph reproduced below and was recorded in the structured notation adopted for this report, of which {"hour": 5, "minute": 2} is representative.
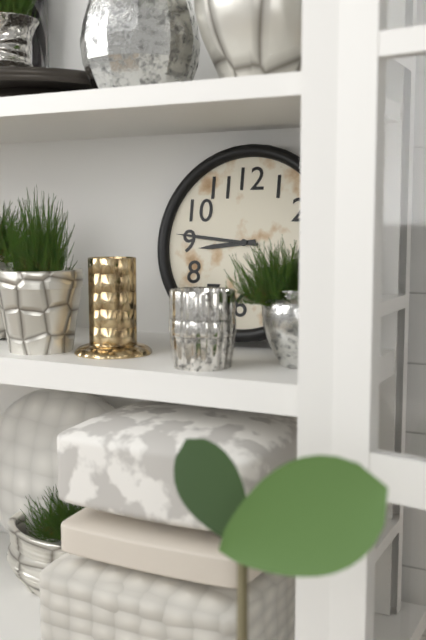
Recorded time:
{"hour": 8, "minute": 46}
